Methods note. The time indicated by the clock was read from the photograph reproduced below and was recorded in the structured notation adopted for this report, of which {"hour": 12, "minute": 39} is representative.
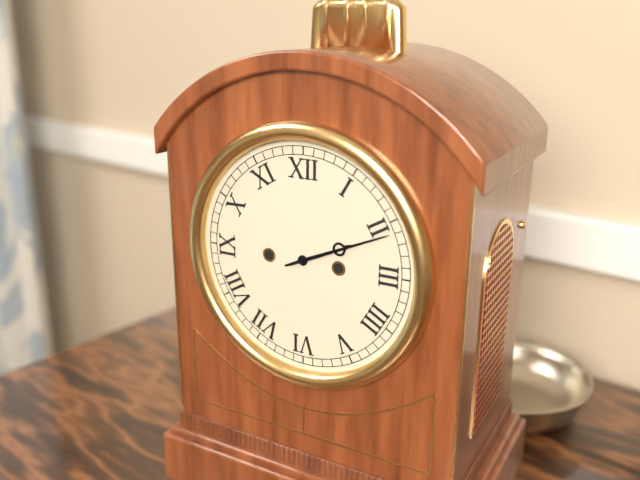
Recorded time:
{"hour": 2, "minute": 11}
